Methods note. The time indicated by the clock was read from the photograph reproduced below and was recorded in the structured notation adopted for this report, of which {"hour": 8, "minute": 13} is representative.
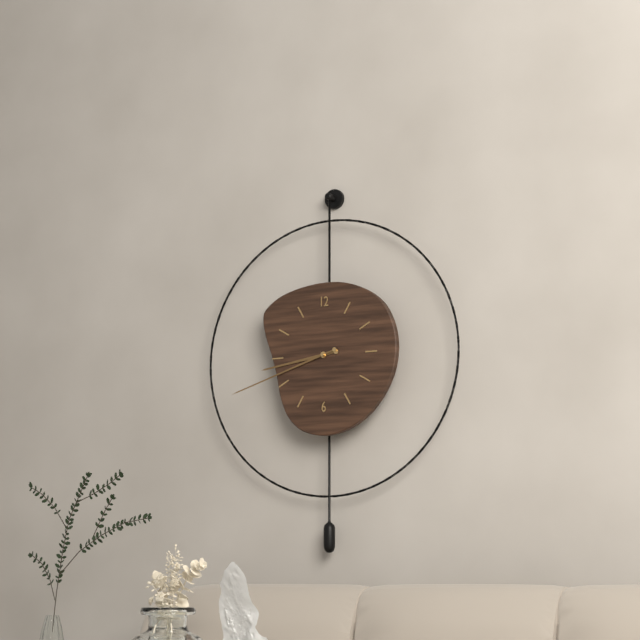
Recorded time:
{"hour": 8, "minute": 42}
